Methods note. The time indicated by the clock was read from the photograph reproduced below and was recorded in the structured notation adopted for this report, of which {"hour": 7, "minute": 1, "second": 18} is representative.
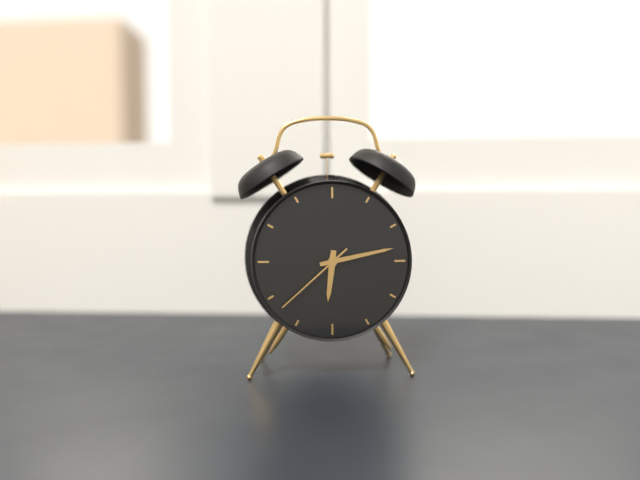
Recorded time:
{"hour": 6, "minute": 13, "second": 38}
